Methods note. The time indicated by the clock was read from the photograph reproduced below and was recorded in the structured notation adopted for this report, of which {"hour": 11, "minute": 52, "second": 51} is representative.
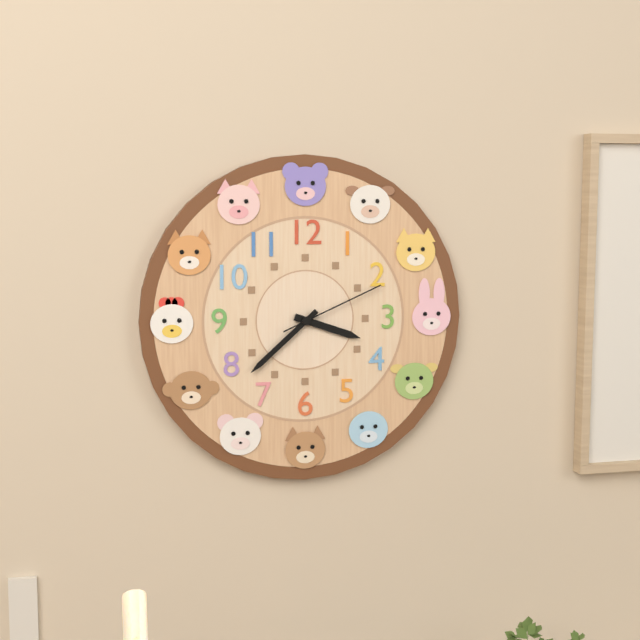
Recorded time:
{"hour": 3, "minute": 38, "second": 11}
